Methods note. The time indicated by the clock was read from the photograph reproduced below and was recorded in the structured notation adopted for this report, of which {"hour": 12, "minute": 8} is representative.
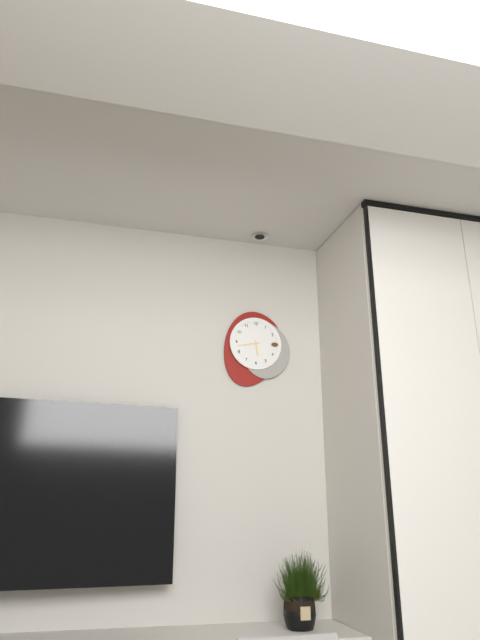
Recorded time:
{"hour": 5, "minute": 43}
